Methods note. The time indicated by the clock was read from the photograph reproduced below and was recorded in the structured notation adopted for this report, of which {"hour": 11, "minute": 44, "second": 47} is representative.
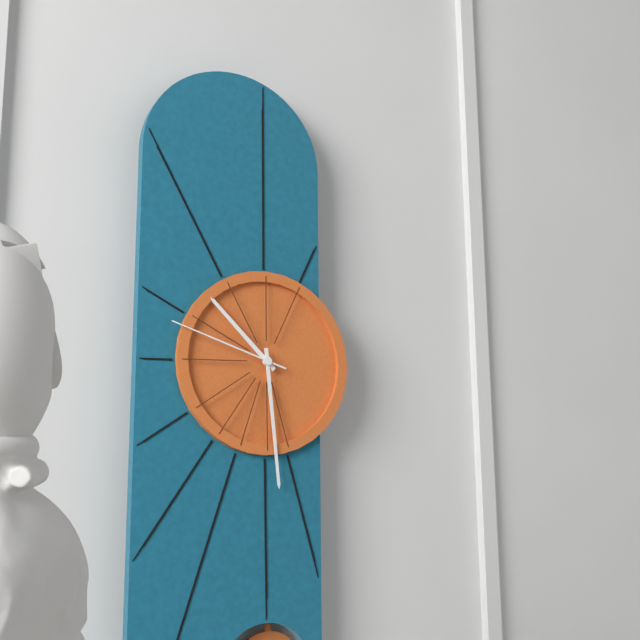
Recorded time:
{"hour": 10, "minute": 29, "second": 48}
